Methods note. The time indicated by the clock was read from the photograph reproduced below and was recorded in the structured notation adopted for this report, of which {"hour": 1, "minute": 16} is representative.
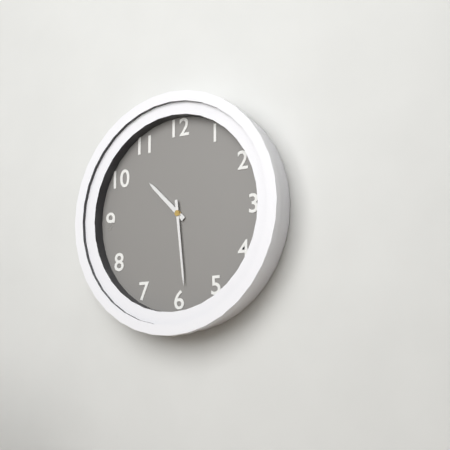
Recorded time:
{"hour": 10, "minute": 29}
